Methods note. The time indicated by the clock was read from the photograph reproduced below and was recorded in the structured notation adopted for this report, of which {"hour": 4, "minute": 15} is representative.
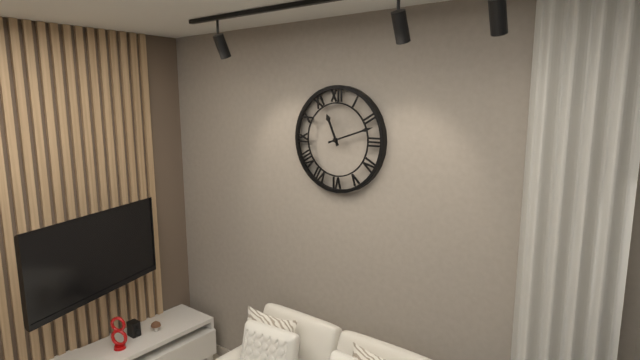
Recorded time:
{"hour": 11, "minute": 12}
